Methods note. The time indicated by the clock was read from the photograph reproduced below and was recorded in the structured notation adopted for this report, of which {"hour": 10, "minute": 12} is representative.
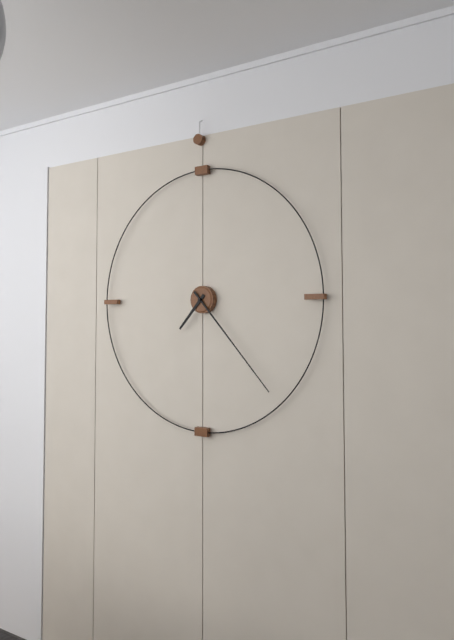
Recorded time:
{"hour": 7, "minute": 23}
